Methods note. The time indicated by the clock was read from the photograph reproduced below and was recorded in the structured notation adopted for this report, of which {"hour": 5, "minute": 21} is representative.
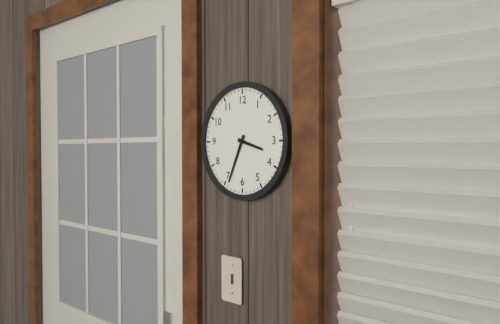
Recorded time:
{"hour": 3, "minute": 34}
